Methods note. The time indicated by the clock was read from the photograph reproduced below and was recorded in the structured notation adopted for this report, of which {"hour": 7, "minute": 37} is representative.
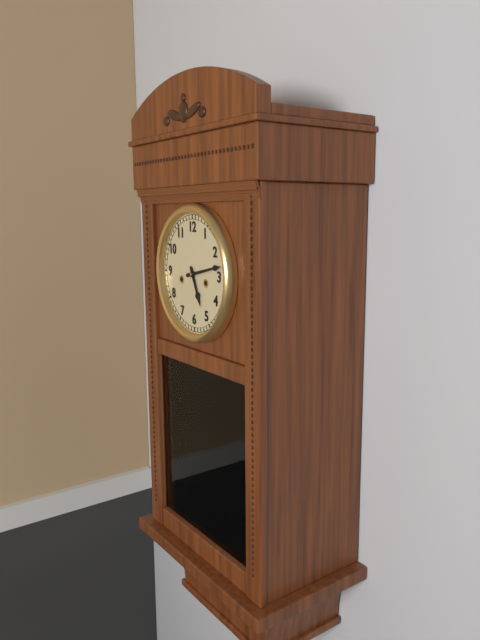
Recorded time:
{"hour": 5, "minute": 13}
